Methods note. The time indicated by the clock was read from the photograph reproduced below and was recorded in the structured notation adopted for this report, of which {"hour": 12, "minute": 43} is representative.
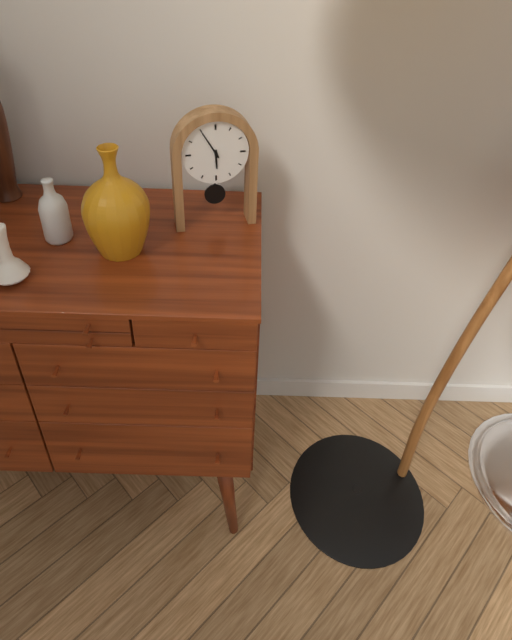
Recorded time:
{"hour": 5, "minute": 55}
